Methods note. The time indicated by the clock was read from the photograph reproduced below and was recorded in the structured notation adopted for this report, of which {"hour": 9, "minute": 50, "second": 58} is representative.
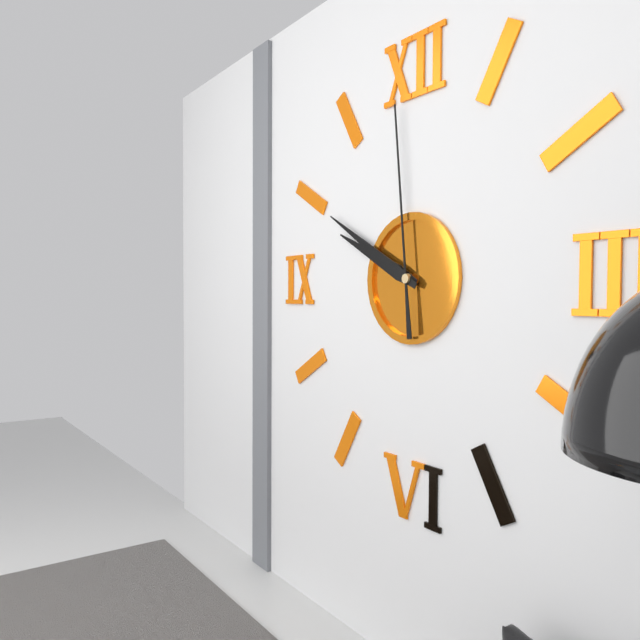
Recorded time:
{"hour": 9, "minute": 50, "second": 59}
